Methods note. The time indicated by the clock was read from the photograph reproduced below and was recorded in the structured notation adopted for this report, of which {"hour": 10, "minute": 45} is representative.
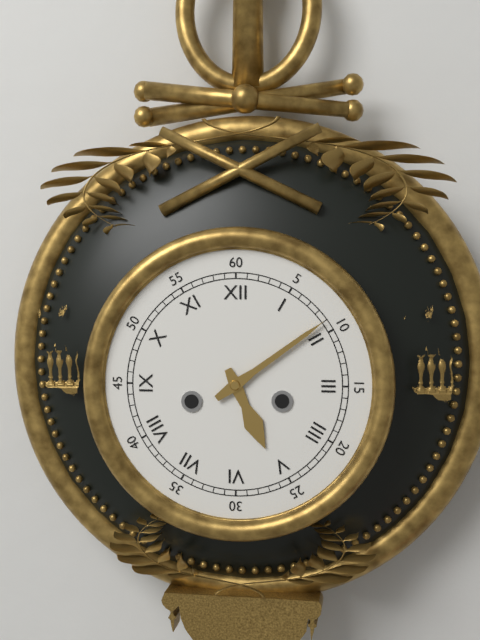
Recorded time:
{"hour": 5, "minute": 9}
